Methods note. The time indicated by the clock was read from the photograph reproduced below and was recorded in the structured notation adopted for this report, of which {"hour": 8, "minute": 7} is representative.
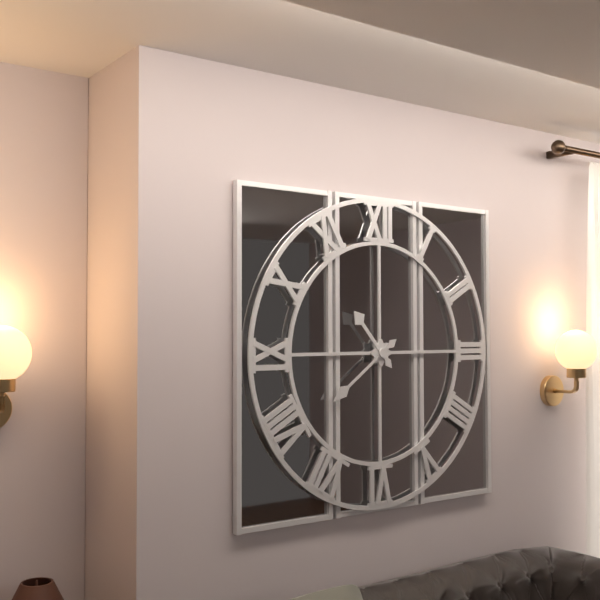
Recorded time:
{"hour": 10, "minute": 39}
